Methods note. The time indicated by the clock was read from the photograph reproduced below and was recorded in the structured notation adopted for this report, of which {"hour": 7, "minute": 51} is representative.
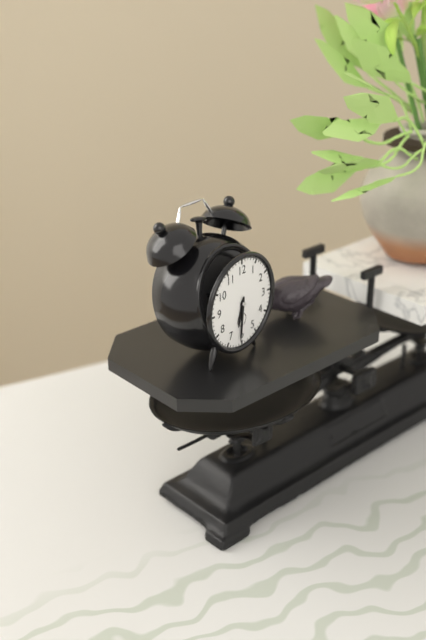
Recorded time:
{"hour": 6, "minute": 31}
